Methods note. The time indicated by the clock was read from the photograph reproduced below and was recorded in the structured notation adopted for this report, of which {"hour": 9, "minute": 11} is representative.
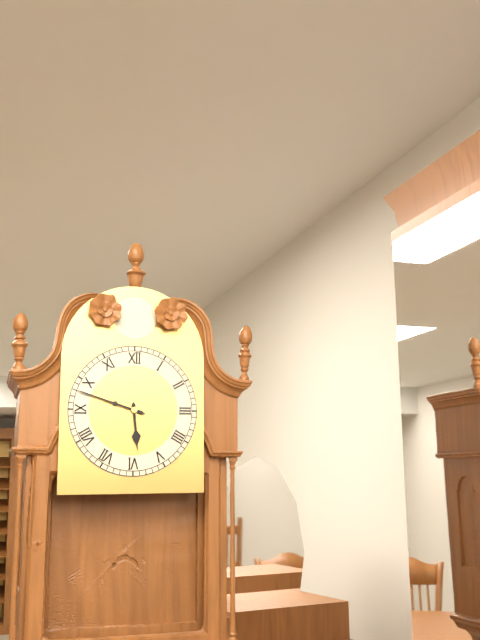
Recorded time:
{"hour": 5, "minute": 48}
